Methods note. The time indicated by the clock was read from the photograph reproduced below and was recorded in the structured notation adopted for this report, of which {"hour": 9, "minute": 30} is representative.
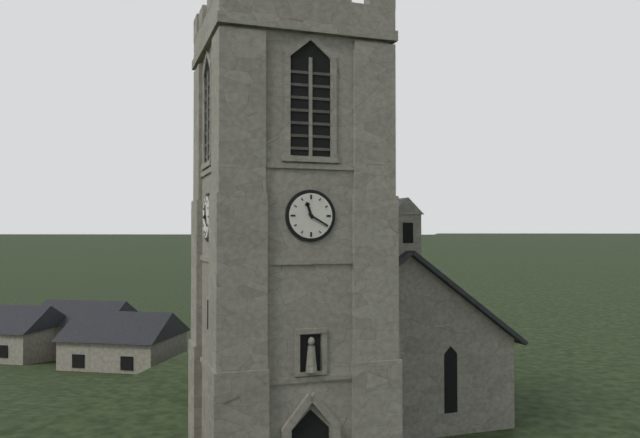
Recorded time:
{"hour": 11, "minute": 20}
